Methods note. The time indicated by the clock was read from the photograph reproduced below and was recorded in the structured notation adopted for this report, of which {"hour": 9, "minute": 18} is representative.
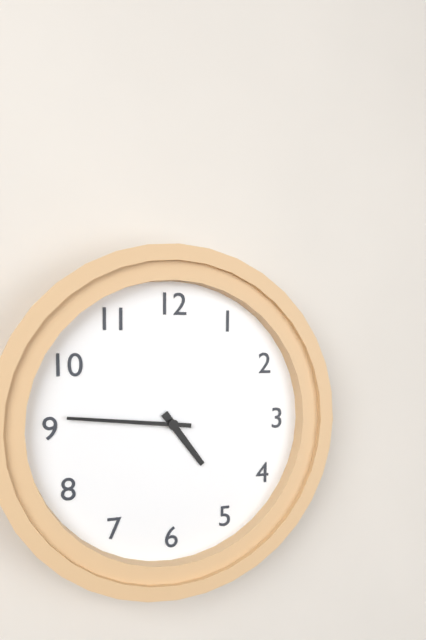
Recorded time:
{"hour": 4, "minute": 46}
